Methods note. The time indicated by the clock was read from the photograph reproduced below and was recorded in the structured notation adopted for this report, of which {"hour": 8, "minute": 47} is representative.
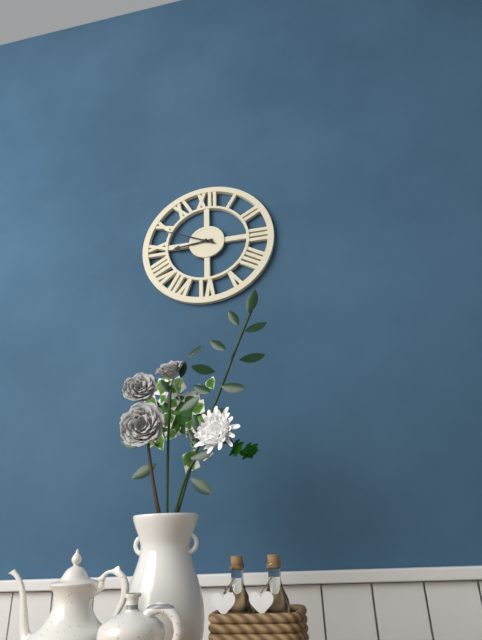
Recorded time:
{"hour": 8, "minute": 49}
